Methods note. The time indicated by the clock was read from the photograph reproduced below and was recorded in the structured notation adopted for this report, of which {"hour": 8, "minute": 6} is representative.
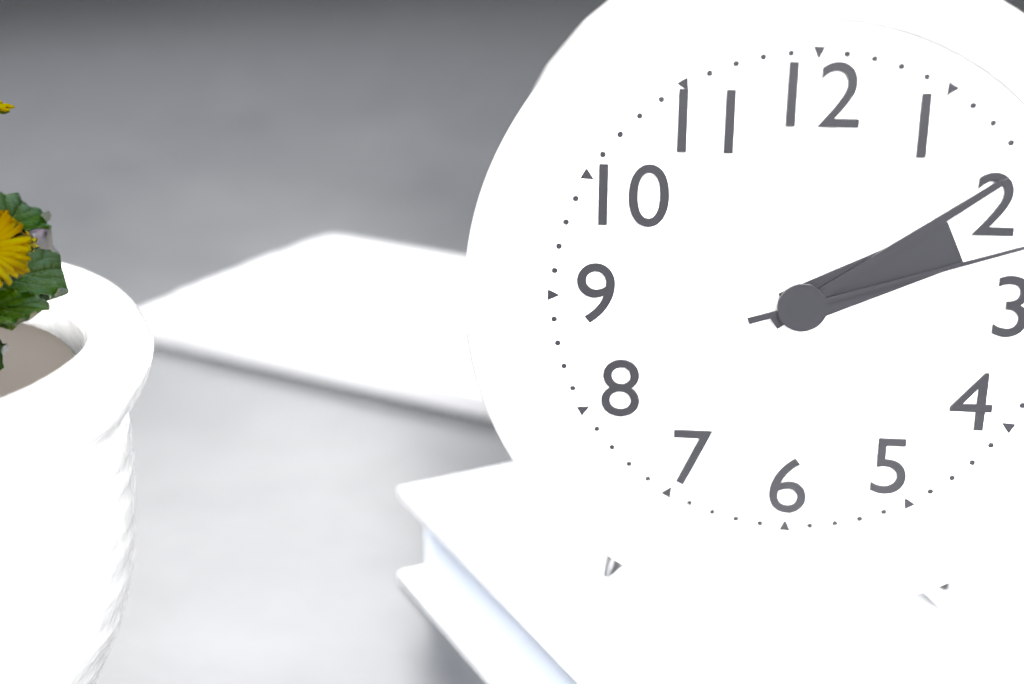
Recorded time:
{"hour": 2, "minute": 9}
